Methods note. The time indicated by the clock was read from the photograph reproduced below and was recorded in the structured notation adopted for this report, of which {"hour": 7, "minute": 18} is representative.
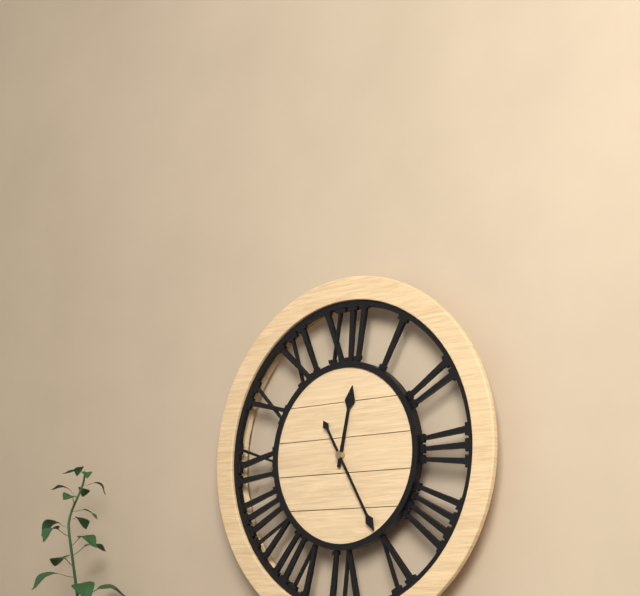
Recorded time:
{"hour": 12, "minute": 25}
